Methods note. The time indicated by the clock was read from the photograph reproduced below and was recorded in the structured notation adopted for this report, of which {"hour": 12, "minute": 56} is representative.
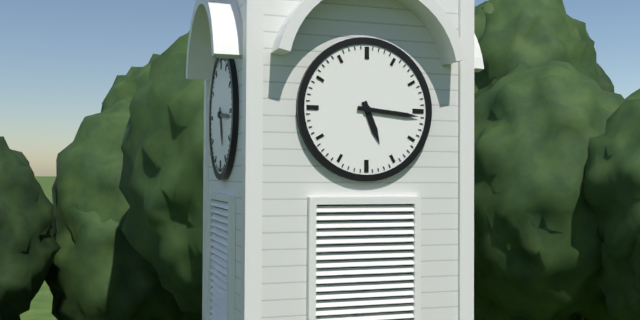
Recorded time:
{"hour": 5, "minute": 16}
